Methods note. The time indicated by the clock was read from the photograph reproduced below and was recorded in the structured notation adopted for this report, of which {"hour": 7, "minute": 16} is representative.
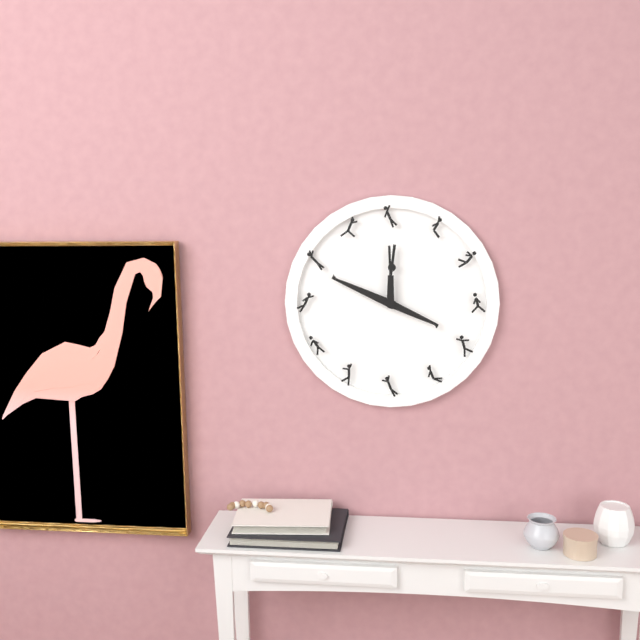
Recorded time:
{"hour": 3, "minute": 49}
